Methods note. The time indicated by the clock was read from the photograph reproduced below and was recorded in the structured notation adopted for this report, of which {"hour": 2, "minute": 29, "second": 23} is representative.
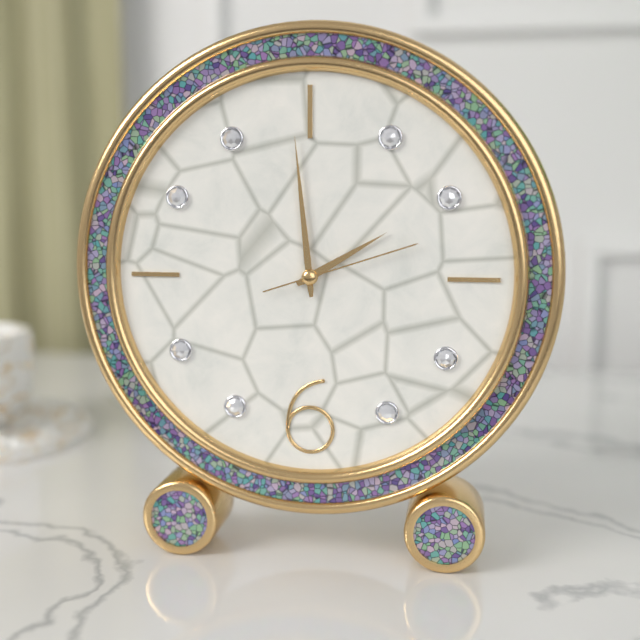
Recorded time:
{"hour": 1, "minute": 59, "second": 12}
